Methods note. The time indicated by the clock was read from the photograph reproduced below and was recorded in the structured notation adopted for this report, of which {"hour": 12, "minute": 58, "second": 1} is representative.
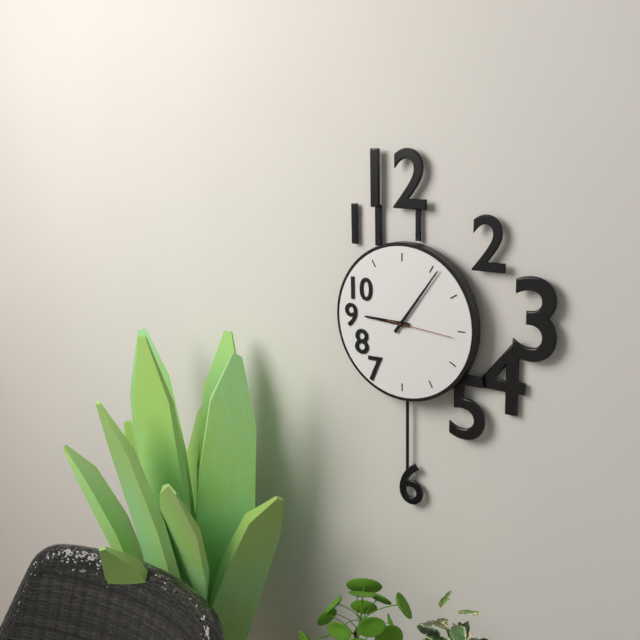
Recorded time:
{"hour": 9, "minute": 6, "second": 16}
